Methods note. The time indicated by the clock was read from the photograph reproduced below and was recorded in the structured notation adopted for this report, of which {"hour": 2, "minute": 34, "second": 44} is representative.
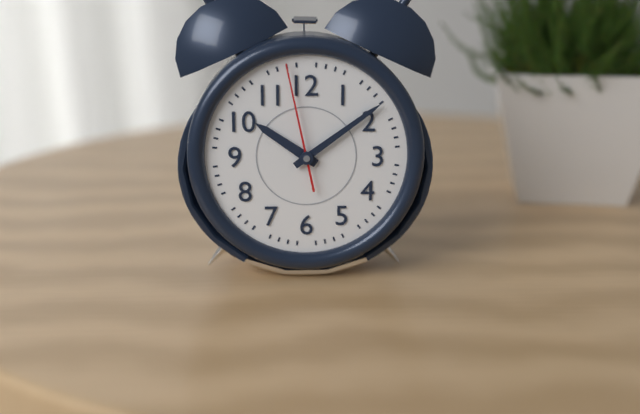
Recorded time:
{"hour": 10, "minute": 9, "second": 58}
